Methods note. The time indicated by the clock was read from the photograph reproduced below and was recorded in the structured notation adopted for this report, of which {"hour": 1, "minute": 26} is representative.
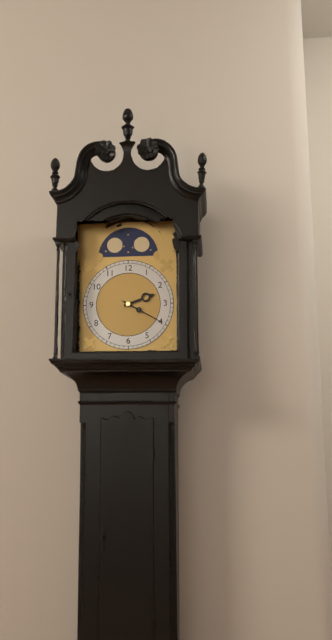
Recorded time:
{"hour": 2, "minute": 20}
